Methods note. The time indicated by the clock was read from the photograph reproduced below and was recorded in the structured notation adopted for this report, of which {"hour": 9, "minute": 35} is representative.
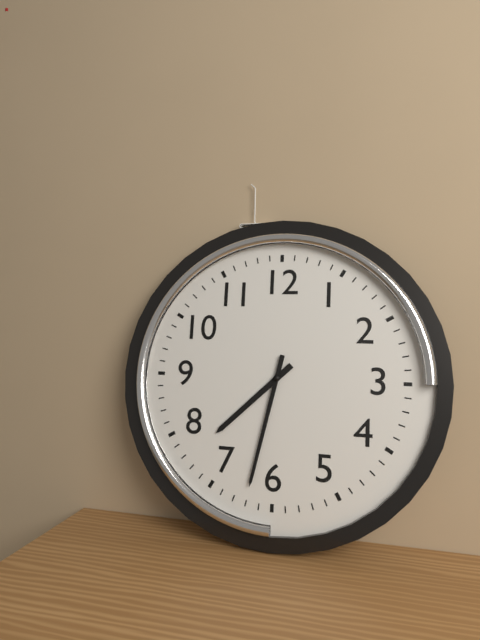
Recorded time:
{"hour": 7, "minute": 32}
